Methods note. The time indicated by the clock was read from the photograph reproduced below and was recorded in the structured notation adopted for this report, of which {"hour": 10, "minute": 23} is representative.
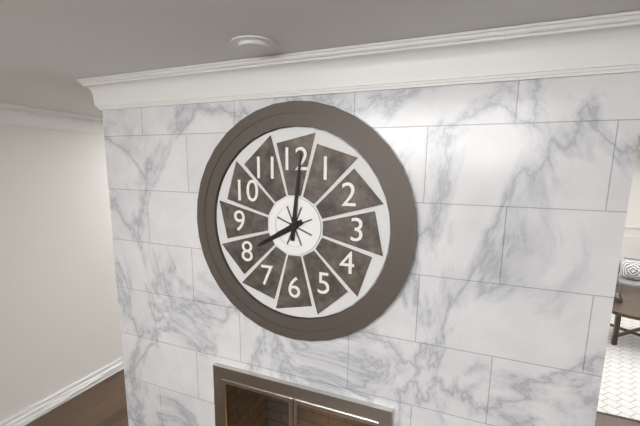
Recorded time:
{"hour": 8, "minute": 1}
